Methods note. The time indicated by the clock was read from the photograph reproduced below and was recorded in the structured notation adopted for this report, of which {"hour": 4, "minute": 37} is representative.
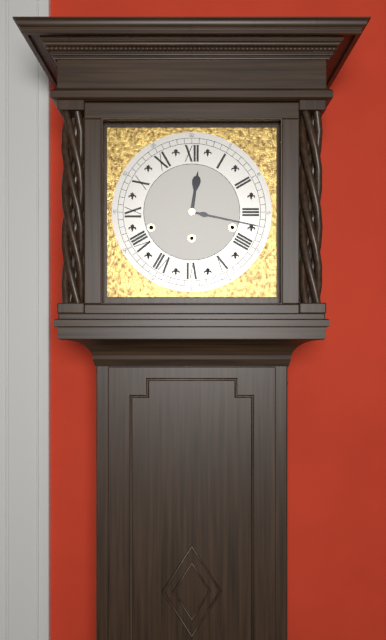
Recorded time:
{"hour": 12, "minute": 17}
